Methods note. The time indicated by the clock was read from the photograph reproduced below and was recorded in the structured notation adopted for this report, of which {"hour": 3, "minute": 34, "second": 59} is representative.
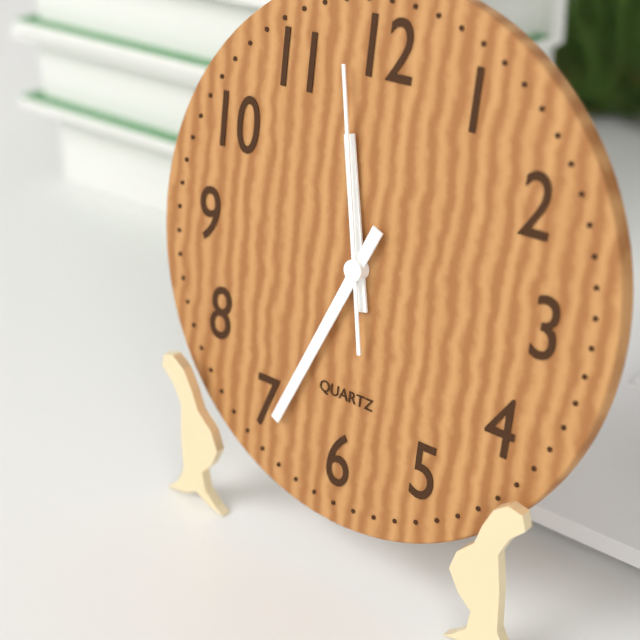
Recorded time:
{"hour": 11, "minute": 34, "second": 58}
